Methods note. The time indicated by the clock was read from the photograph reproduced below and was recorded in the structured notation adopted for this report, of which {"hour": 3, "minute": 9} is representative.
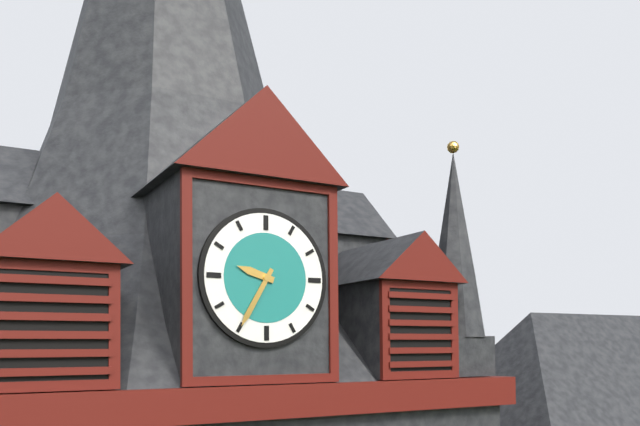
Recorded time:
{"hour": 9, "minute": 35}
